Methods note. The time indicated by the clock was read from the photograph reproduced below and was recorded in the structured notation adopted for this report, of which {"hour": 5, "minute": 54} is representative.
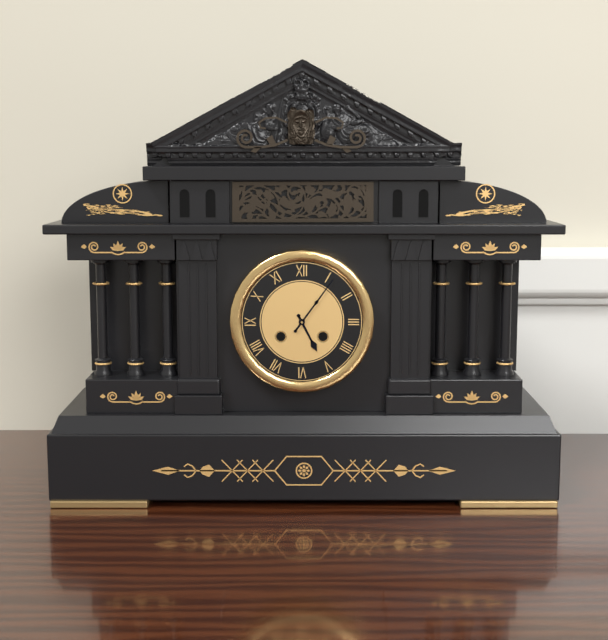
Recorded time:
{"hour": 5, "minute": 6}
